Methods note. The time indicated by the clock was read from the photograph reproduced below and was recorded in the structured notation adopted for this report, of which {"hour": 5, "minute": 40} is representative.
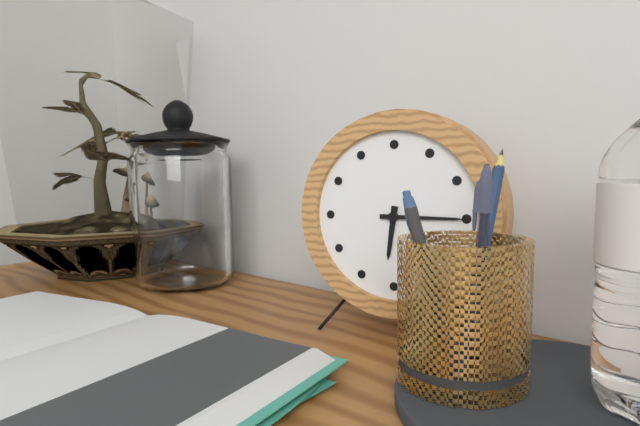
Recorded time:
{"hour": 6, "minute": 15}
